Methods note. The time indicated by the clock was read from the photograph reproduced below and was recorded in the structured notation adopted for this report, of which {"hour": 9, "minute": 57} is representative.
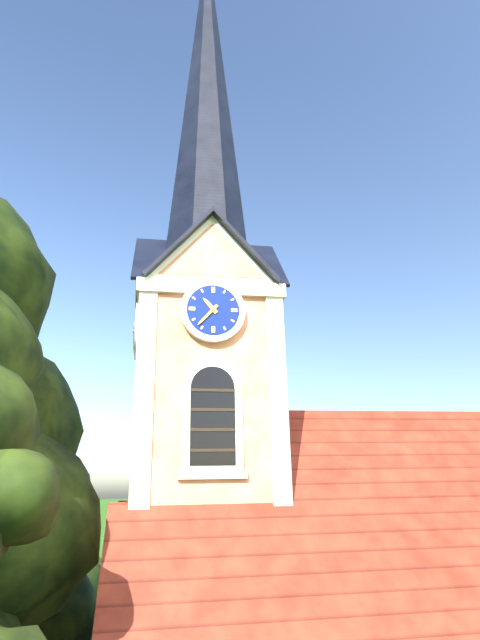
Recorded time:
{"hour": 10, "minute": 37}
